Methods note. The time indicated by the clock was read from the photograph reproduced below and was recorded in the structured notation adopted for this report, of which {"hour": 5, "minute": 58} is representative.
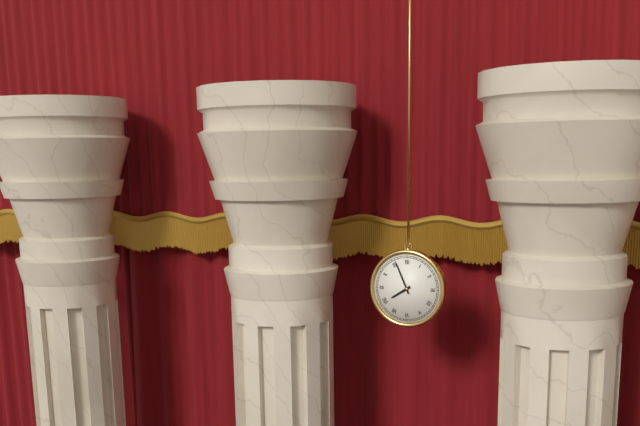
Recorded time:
{"hour": 7, "minute": 56}
